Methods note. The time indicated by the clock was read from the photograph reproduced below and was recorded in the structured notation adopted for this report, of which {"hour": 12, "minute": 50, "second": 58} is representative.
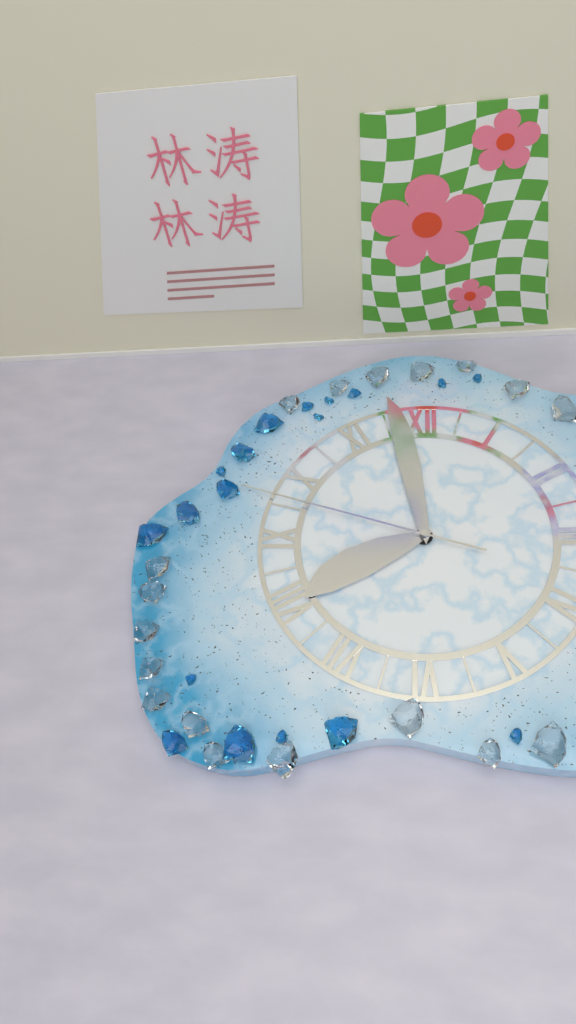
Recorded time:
{"hour": 7, "minute": 58, "second": 48}
